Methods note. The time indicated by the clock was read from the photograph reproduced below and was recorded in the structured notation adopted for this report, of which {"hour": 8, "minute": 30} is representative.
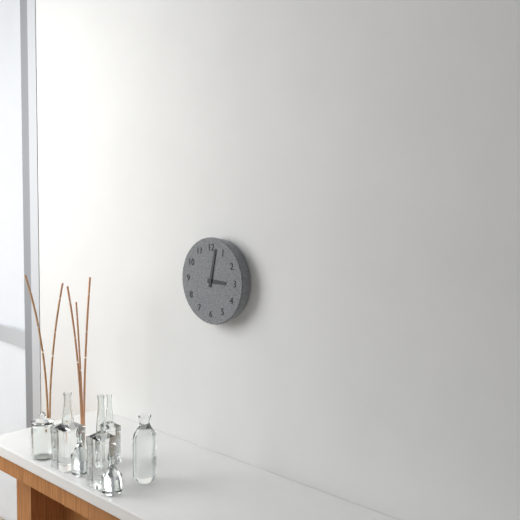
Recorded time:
{"hour": 3, "minute": 2}
